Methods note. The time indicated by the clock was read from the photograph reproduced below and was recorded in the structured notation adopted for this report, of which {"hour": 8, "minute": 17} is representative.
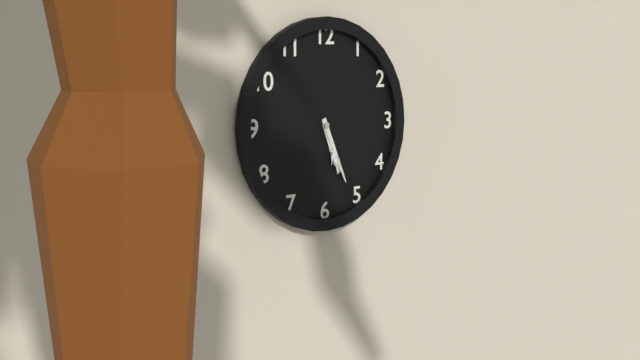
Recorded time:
{"hour": 5, "minute": 26}
